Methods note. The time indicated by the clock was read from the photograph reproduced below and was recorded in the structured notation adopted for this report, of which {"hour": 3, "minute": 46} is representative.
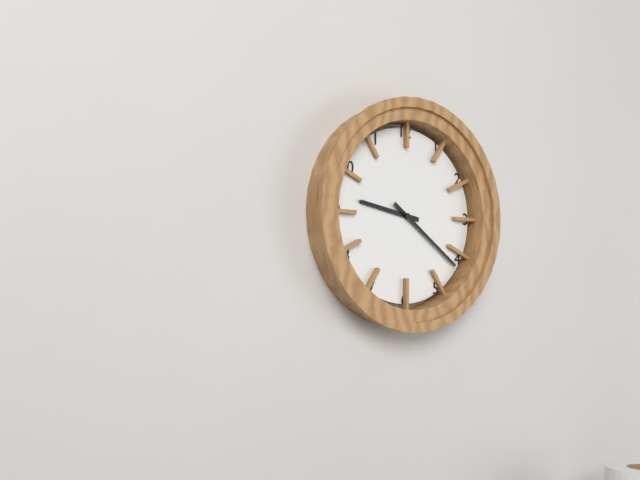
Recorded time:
{"hour": 9, "minute": 21}
